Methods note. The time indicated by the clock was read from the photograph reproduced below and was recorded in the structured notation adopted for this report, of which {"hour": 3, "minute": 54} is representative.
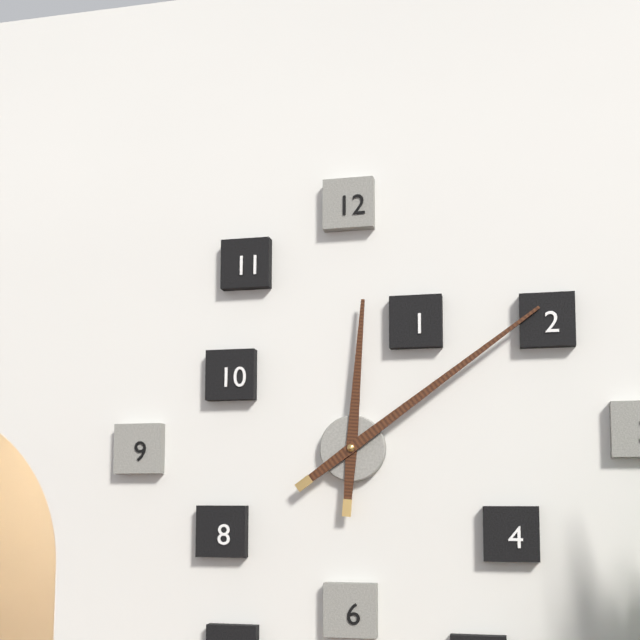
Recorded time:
{"hour": 12, "minute": 9}
